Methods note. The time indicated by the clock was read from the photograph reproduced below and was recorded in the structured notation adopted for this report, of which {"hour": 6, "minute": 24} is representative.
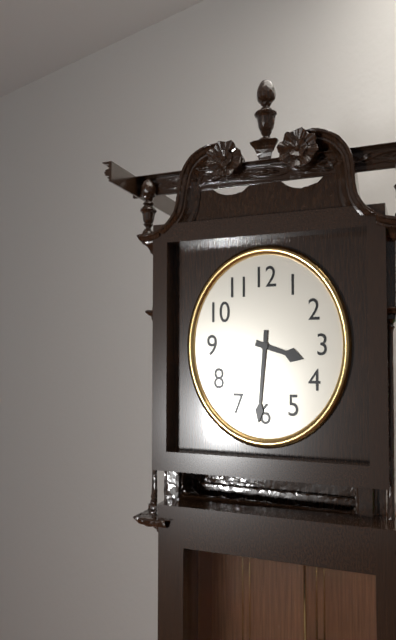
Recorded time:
{"hour": 3, "minute": 31}
